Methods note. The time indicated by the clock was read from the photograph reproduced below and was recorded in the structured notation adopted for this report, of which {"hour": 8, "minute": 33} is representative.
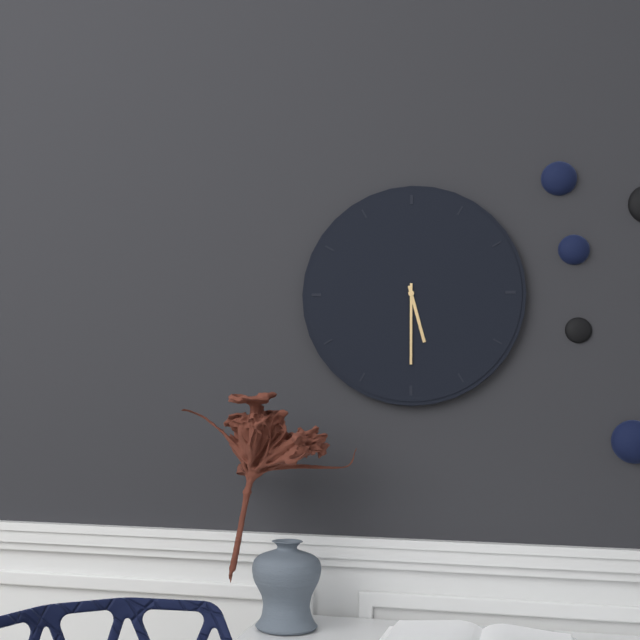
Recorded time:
{"hour": 5, "minute": 30}
